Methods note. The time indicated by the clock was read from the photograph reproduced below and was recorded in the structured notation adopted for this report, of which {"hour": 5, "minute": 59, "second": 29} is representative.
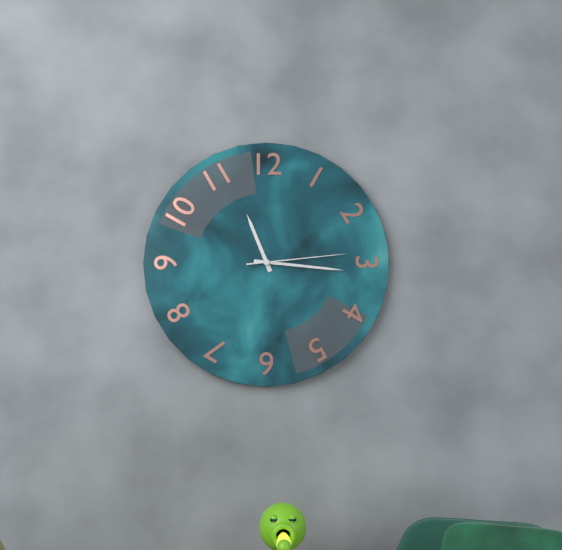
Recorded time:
{"hour": 11, "minute": 16, "second": 14}
